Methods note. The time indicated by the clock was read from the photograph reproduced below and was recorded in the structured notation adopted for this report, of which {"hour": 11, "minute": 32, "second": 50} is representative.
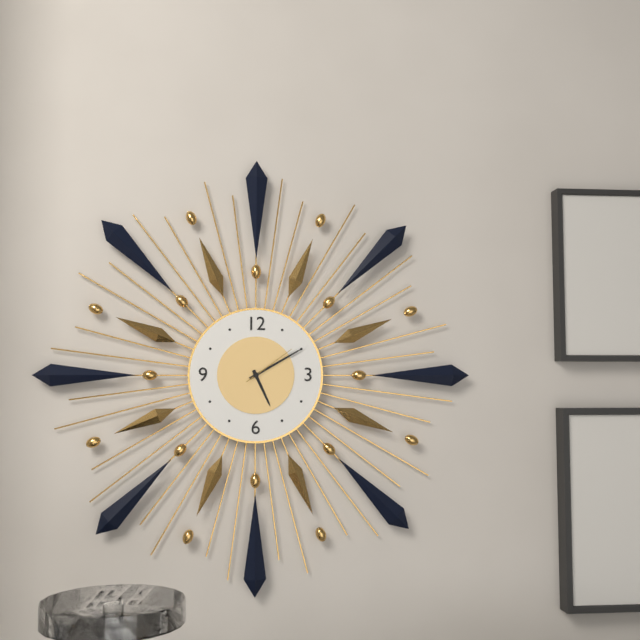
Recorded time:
{"hour": 5, "minute": 10, "second": 9}
